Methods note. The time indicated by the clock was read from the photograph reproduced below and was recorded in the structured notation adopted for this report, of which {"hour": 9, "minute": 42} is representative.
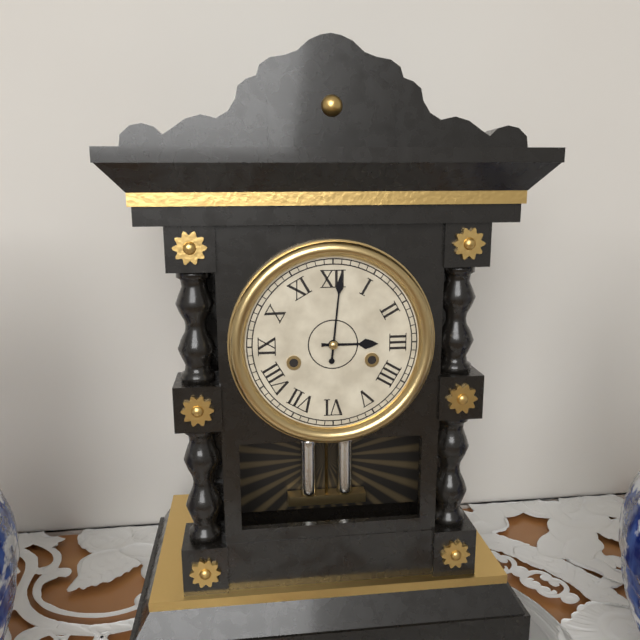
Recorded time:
{"hour": 3, "minute": 1}
